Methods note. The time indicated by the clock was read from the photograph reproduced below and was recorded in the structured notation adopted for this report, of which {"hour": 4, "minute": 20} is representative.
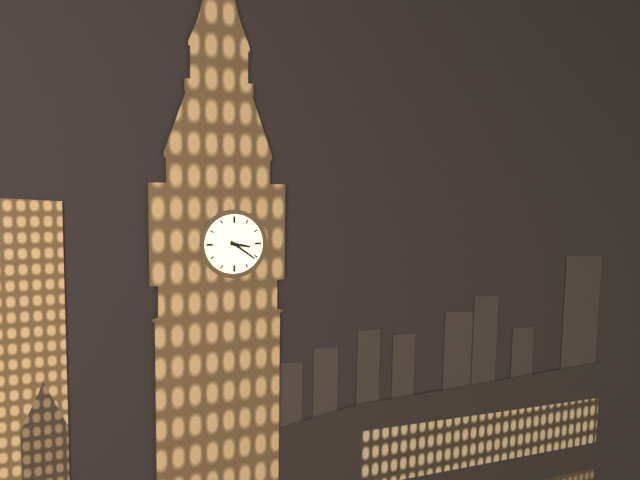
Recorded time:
{"hour": 3, "minute": 21}
